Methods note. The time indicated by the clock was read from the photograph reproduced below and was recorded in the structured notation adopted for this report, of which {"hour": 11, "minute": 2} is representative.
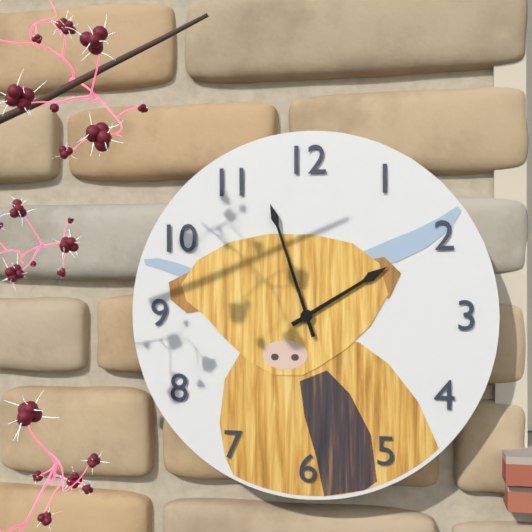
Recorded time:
{"hour": 1, "minute": 57}
